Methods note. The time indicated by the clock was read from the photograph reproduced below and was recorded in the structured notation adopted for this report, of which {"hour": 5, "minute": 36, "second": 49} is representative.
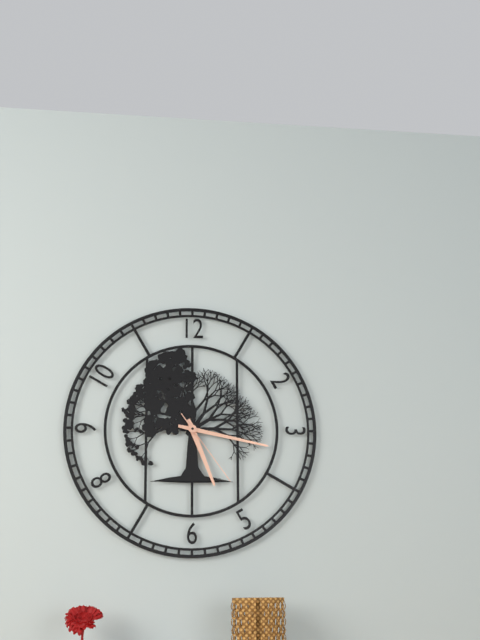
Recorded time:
{"hour": 5, "minute": 17, "second": 24}
